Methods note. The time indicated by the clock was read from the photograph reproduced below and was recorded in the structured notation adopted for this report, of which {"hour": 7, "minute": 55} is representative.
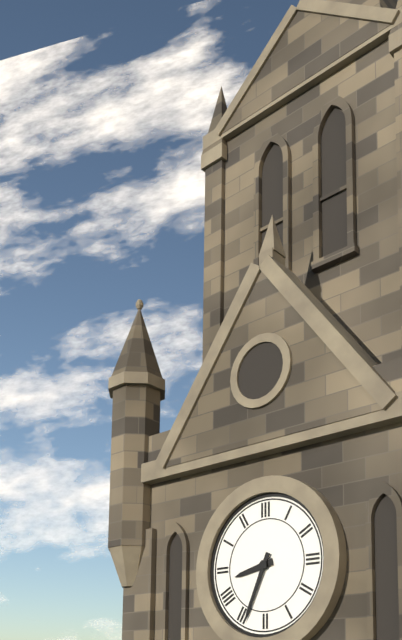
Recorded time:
{"hour": 8, "minute": 34}
